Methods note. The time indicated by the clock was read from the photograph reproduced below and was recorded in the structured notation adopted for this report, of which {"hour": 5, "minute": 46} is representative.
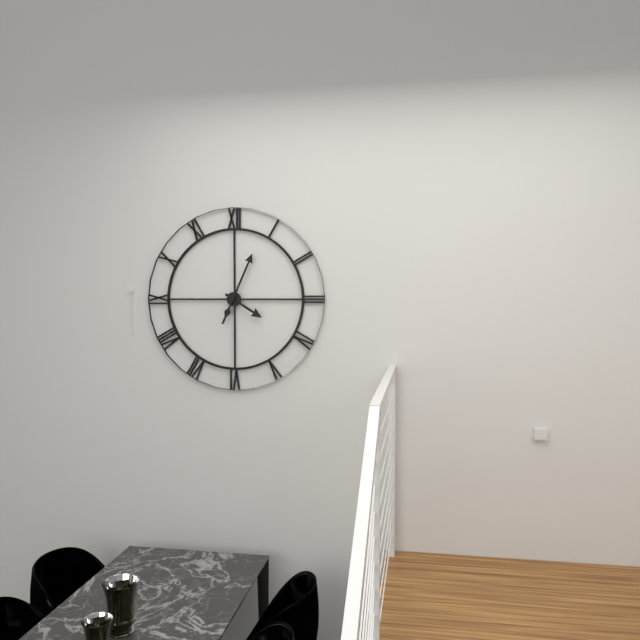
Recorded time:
{"hour": 4, "minute": 4}
